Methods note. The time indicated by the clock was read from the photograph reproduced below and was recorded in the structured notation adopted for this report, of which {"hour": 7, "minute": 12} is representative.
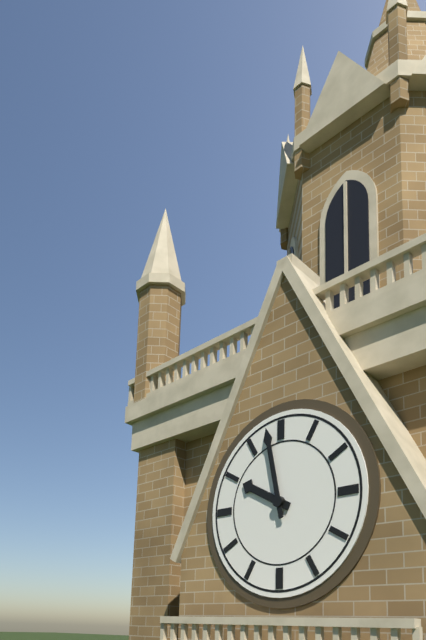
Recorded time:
{"hour": 9, "minute": 58}
